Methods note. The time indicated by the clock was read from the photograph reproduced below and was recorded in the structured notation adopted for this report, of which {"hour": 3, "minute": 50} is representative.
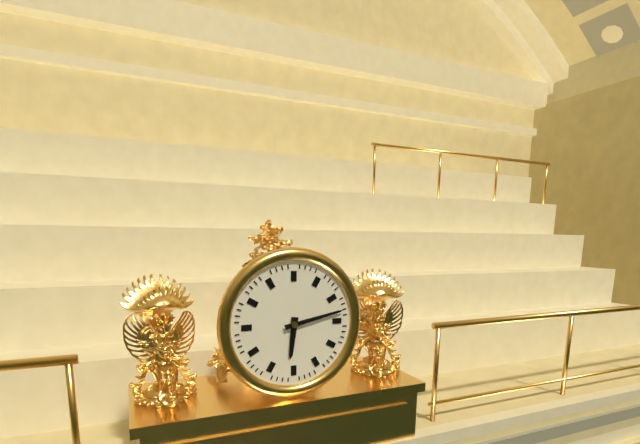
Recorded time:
{"hour": 6, "minute": 13}
